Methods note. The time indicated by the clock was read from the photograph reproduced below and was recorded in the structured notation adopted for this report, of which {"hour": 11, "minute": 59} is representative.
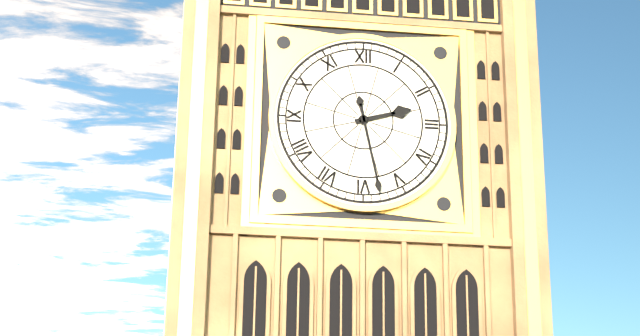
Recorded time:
{"hour": 2, "minute": 28}
